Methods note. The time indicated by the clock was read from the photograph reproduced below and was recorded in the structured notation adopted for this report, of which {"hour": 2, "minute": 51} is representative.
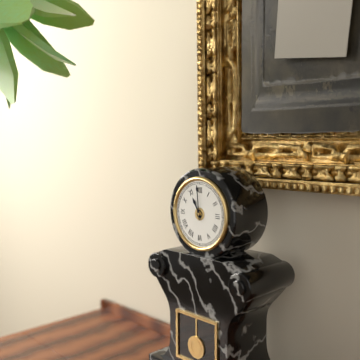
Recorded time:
{"hour": 10, "minute": 59}
